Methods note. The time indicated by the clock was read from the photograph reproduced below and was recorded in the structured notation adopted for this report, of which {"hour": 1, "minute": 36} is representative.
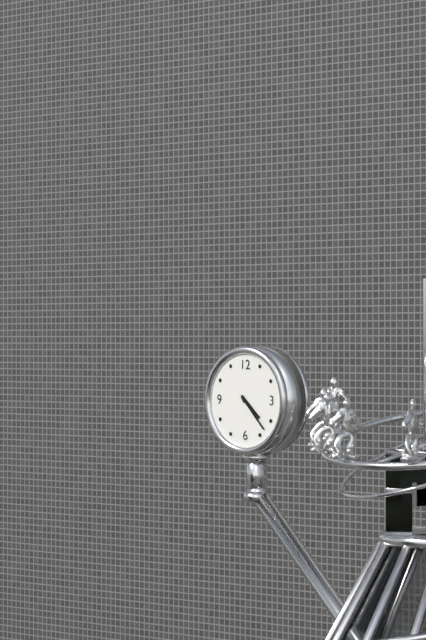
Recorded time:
{"hour": 4, "minute": 23}
